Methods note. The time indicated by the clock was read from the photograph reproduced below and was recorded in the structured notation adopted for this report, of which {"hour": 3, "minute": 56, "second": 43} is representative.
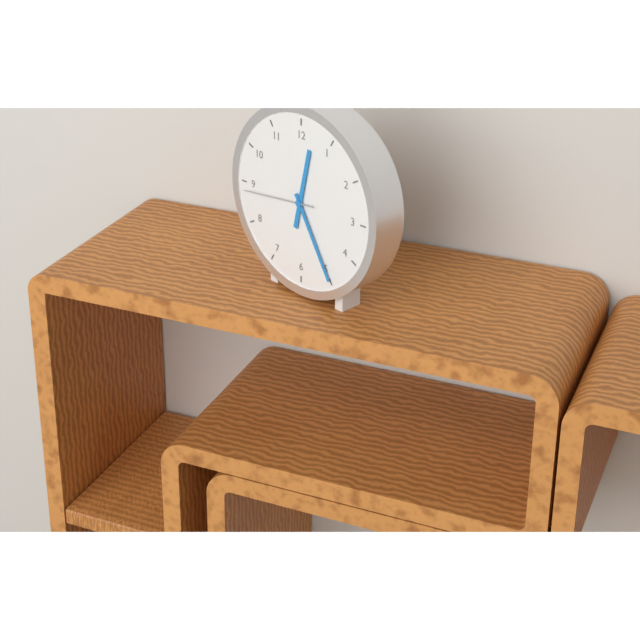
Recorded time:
{"hour": 12, "minute": 25, "second": 44}
